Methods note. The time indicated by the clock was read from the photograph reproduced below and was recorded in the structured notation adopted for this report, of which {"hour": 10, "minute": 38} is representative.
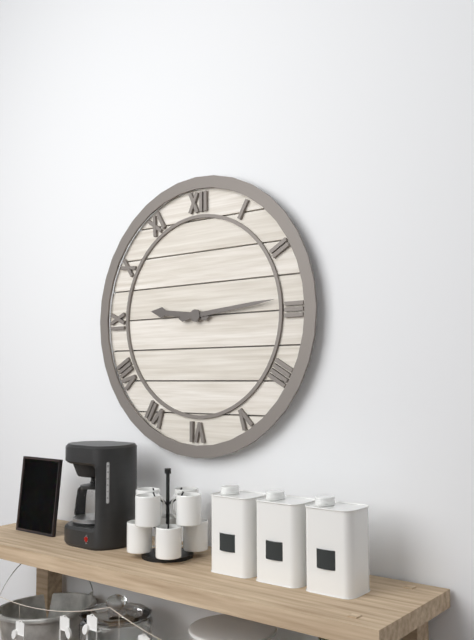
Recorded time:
{"hour": 9, "minute": 14}
